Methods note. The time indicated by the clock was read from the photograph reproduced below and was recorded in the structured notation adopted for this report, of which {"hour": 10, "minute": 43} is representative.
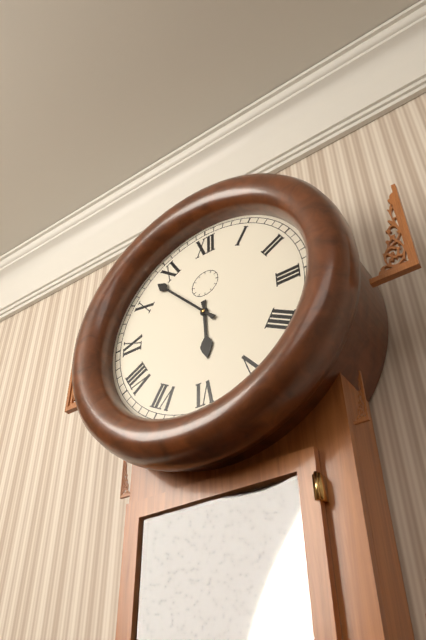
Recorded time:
{"hour": 5, "minute": 53}
